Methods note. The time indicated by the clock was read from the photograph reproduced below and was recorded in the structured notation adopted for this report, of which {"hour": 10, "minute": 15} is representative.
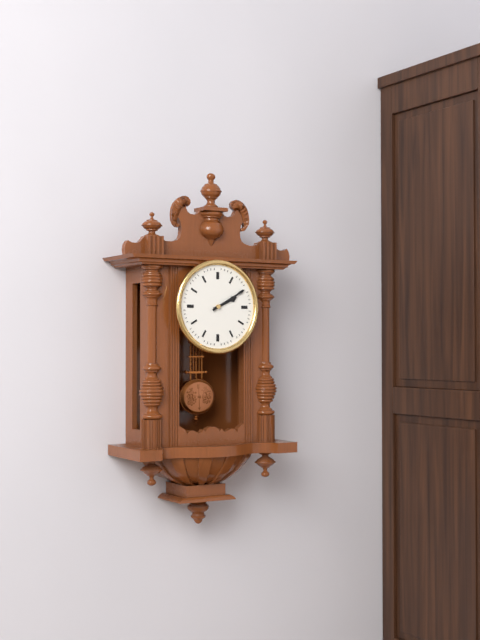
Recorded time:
{"hour": 2, "minute": 10}
